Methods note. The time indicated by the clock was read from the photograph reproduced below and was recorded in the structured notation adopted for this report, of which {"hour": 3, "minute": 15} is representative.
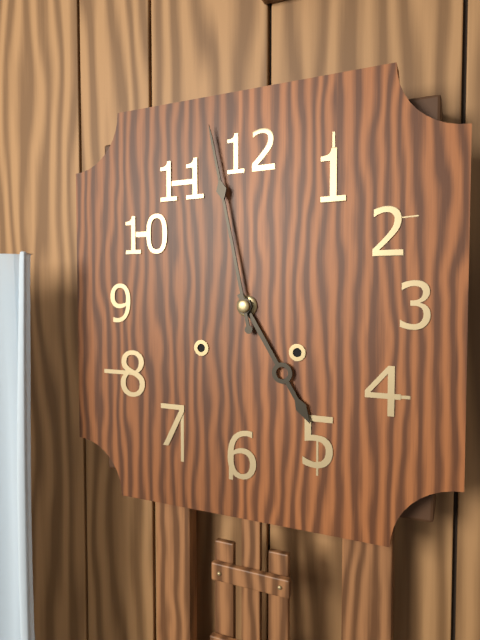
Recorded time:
{"hour": 4, "minute": 58}
